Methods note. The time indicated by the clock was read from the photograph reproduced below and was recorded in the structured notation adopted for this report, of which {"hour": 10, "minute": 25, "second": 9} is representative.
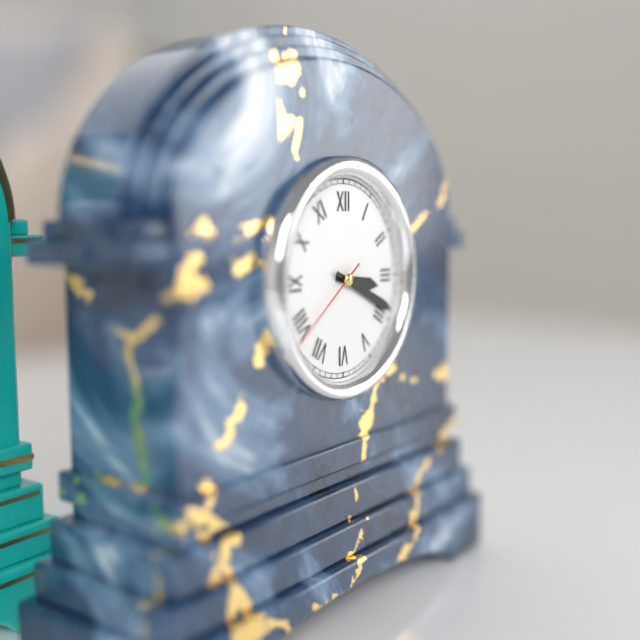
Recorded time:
{"hour": 3, "minute": 19, "second": 39}
